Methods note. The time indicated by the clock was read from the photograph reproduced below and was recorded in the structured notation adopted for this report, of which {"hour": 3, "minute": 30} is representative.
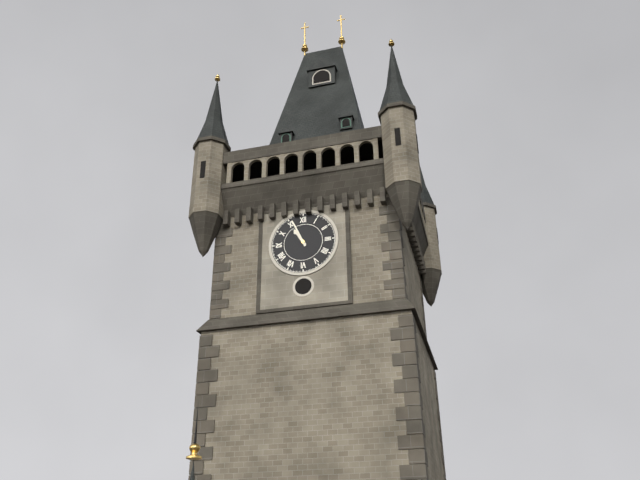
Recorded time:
{"hour": 10, "minute": 56}
